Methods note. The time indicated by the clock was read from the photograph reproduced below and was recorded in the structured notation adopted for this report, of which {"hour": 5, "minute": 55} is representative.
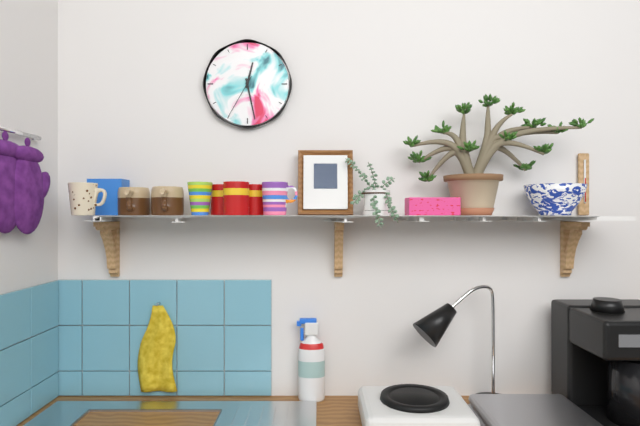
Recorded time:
{"hour": 12, "minute": 28}
